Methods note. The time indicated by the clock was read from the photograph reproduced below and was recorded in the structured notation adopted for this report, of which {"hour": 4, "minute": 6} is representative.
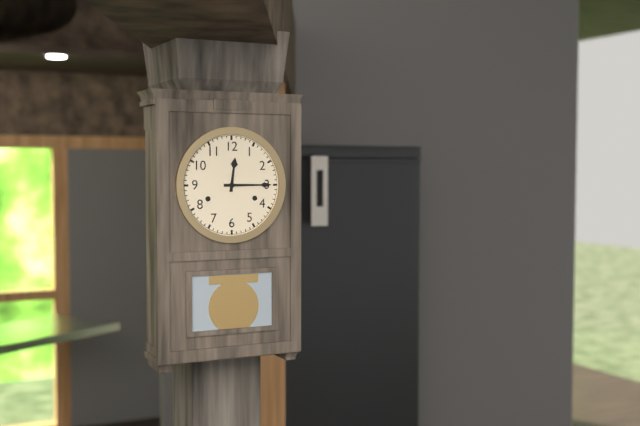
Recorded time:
{"hour": 12, "minute": 15}
